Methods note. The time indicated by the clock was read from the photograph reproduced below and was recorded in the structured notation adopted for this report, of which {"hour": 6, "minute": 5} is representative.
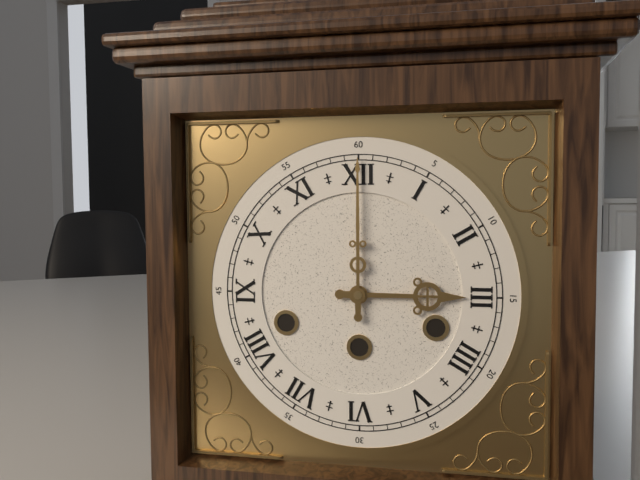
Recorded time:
{"hour": 3, "minute": 0}
